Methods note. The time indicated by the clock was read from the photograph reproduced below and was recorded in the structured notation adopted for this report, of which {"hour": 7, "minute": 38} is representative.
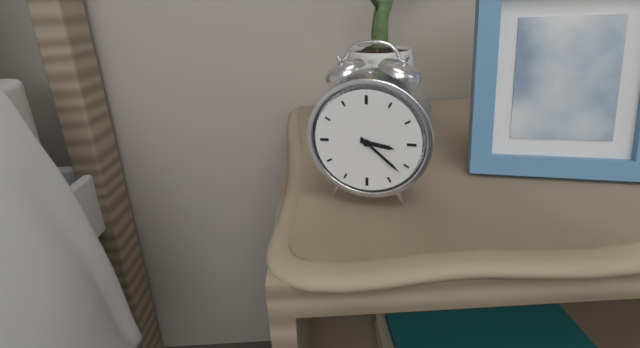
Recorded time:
{"hour": 3, "minute": 22}
